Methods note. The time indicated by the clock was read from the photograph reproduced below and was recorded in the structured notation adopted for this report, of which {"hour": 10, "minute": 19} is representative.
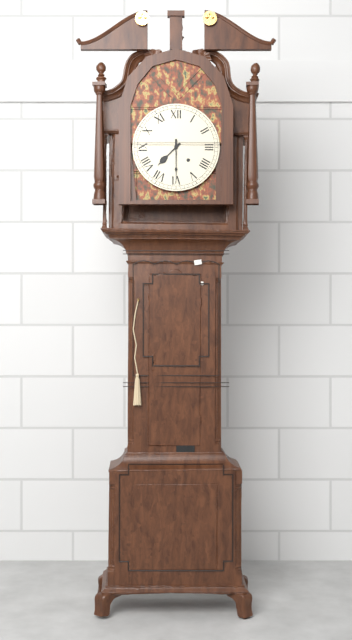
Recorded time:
{"hour": 7, "minute": 30}
